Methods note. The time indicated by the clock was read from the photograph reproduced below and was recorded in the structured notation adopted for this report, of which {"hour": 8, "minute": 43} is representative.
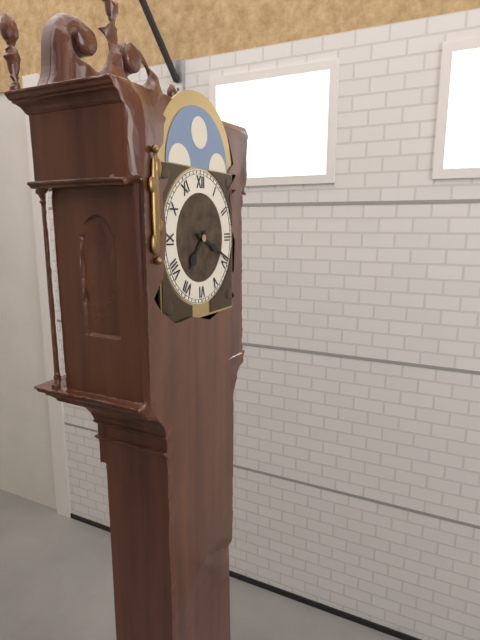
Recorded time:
{"hour": 7, "minute": 19}
